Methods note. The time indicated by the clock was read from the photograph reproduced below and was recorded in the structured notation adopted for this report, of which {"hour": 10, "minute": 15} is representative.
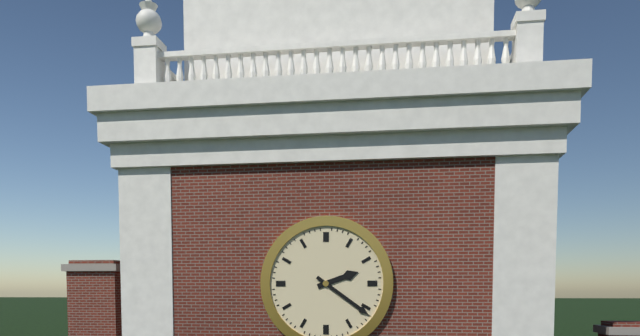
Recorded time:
{"hour": 2, "minute": 21}
